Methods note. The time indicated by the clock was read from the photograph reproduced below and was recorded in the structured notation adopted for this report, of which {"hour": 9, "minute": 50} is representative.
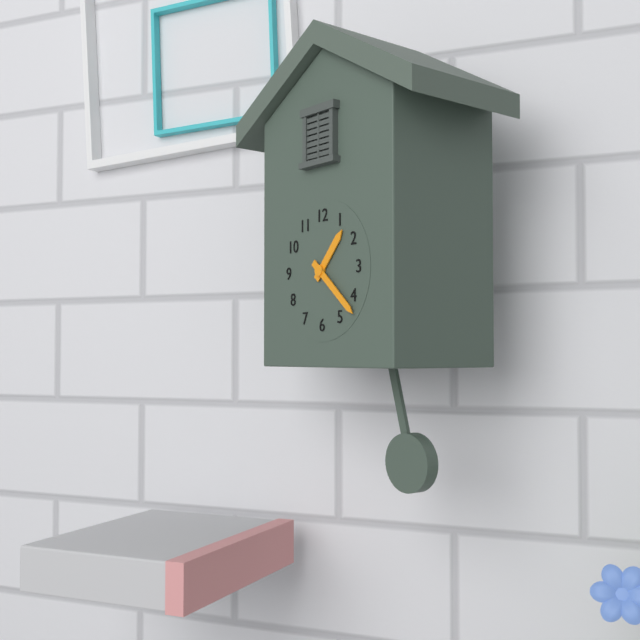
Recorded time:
{"hour": 1, "minute": 22}
